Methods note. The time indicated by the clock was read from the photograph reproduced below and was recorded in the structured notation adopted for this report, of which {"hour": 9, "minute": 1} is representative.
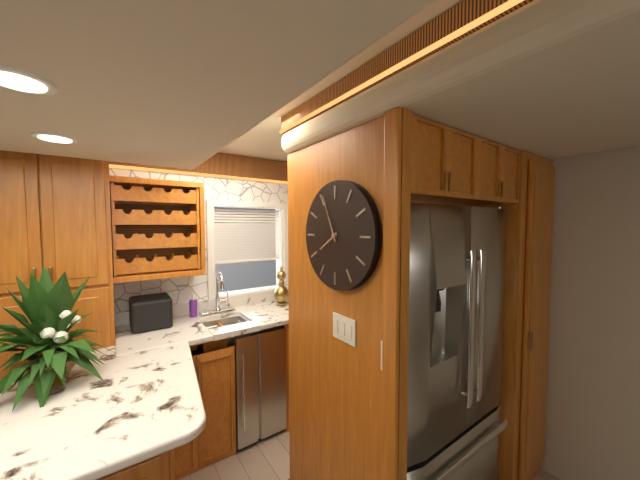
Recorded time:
{"hour": 7, "minute": 56}
